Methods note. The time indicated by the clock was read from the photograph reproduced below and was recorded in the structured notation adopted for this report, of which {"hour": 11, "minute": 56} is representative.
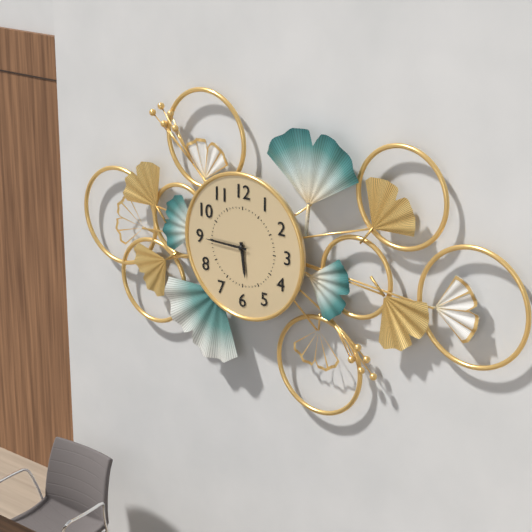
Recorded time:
{"hour": 5, "minute": 45}
